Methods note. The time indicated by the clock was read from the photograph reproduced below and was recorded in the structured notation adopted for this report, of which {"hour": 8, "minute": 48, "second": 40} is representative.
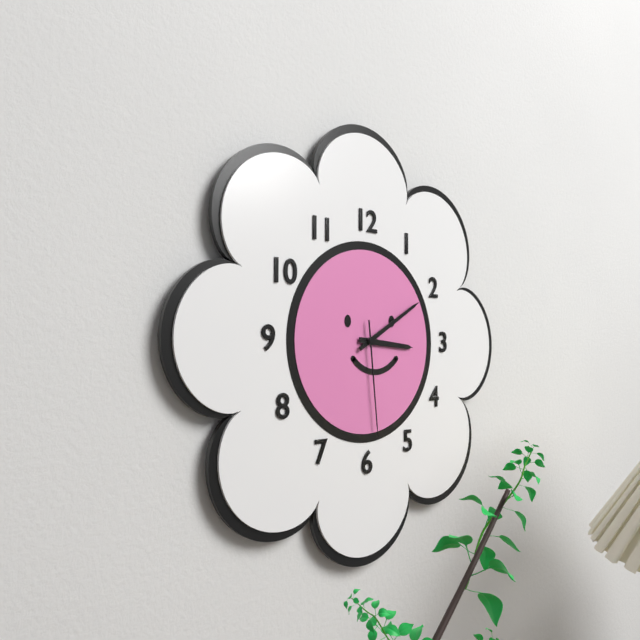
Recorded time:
{"hour": 3, "minute": 10, "second": 29}
